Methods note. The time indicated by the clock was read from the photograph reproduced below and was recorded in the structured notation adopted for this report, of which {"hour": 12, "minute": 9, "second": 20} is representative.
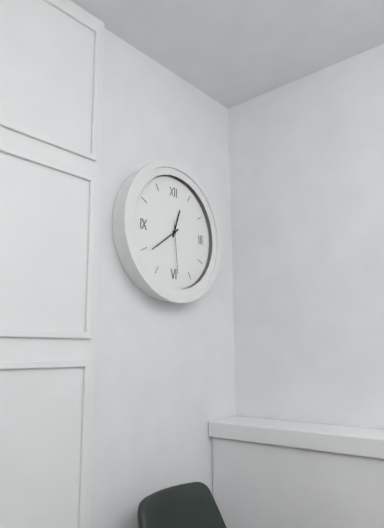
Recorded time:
{"hour": 12, "minute": 39, "second": 29}
